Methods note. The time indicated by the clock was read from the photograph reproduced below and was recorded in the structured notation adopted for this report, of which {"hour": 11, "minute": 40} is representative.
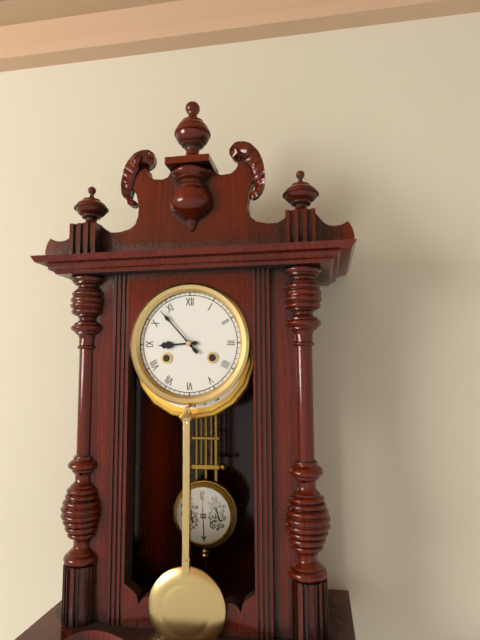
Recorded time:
{"hour": 8, "minute": 53}
